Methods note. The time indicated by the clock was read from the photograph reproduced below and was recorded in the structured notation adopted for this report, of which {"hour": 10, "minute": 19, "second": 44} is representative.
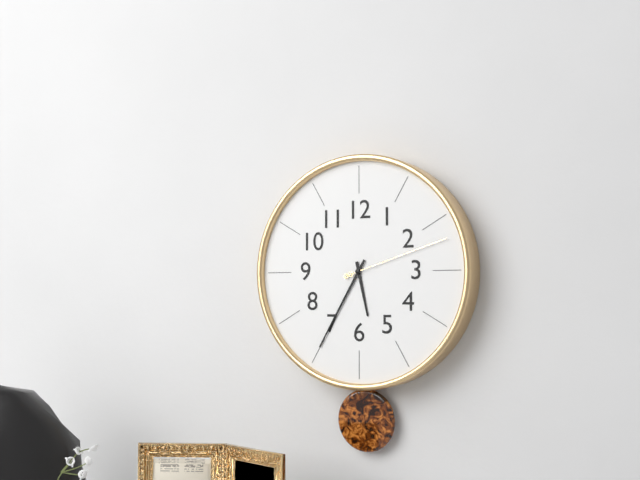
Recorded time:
{"hour": 5, "minute": 35, "second": 12}
